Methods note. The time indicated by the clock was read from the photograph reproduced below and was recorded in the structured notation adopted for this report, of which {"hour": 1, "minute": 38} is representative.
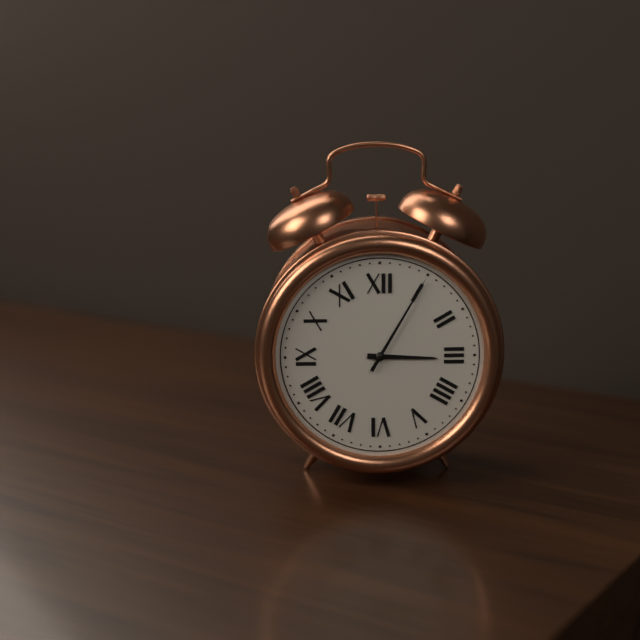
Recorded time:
{"hour": 3, "minute": 5}
